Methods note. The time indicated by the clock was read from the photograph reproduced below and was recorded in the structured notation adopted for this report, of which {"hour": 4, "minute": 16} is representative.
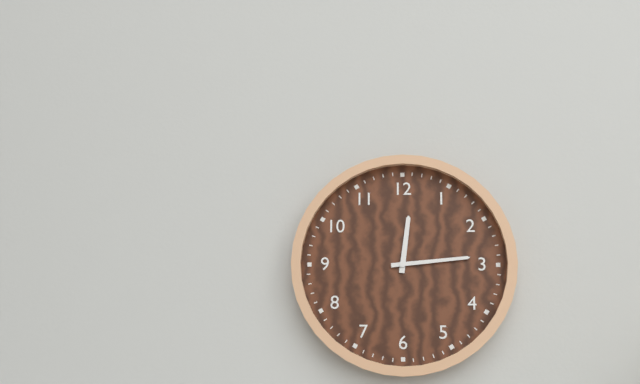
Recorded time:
{"hour": 12, "minute": 14}
